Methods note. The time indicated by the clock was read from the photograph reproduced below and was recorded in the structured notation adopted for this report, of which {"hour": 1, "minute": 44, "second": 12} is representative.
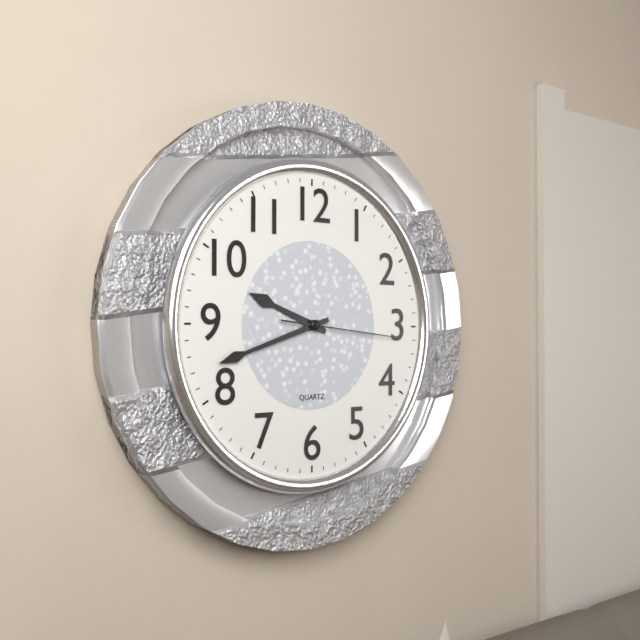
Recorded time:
{"hour": 9, "minute": 42, "second": 16}
